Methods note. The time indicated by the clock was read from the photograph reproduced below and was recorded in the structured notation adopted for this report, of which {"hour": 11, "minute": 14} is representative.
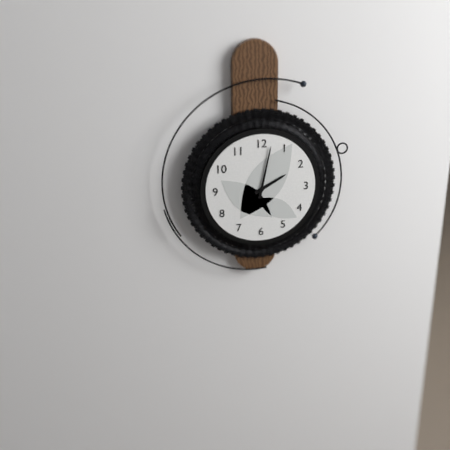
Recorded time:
{"hour": 2, "minute": 2}
